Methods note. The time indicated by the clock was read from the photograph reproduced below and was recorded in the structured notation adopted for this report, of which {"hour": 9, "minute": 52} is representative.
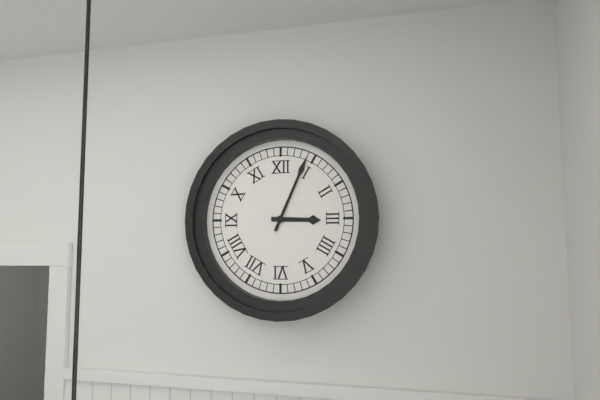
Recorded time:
{"hour": 3, "minute": 4}
